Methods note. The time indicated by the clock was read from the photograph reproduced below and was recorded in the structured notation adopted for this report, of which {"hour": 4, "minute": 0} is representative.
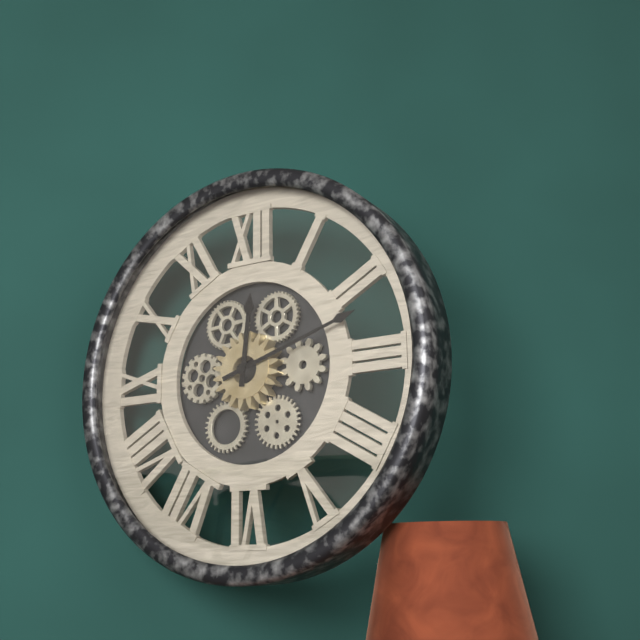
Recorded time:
{"hour": 12, "minute": 12}
